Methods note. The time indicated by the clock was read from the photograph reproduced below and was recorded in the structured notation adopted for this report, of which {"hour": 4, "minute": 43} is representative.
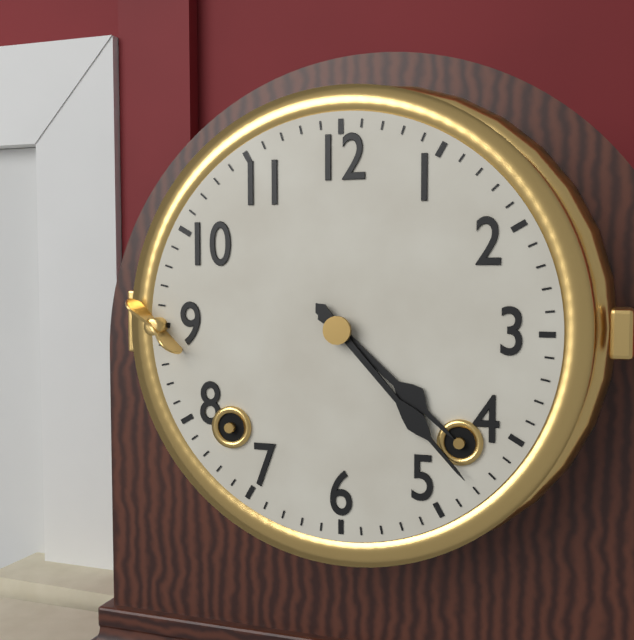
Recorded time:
{"hour": 4, "minute": 23}
